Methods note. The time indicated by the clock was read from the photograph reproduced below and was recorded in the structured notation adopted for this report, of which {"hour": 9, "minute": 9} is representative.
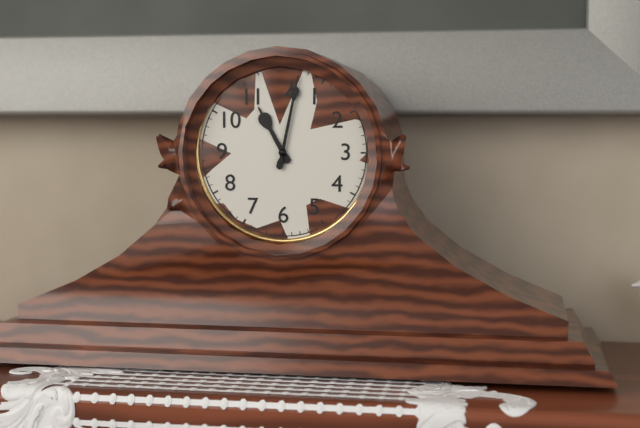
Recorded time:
{"hour": 11, "minute": 2}
